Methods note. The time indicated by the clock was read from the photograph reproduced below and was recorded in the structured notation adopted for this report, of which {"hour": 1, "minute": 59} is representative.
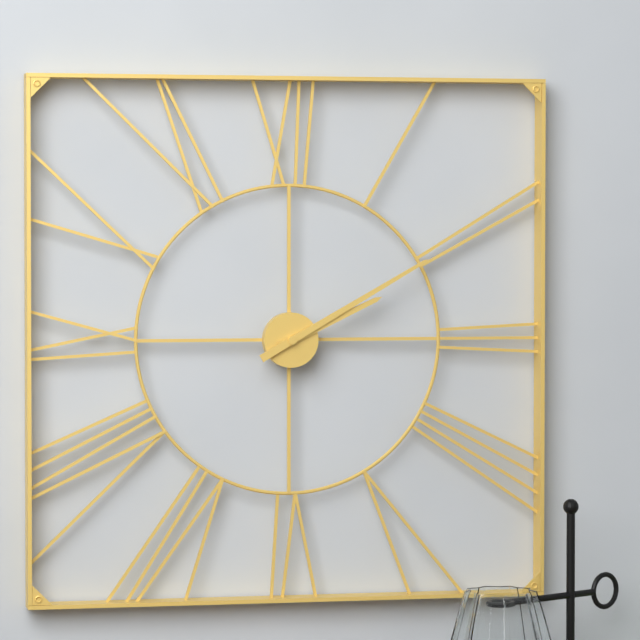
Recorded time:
{"hour": 2, "minute": 10}
